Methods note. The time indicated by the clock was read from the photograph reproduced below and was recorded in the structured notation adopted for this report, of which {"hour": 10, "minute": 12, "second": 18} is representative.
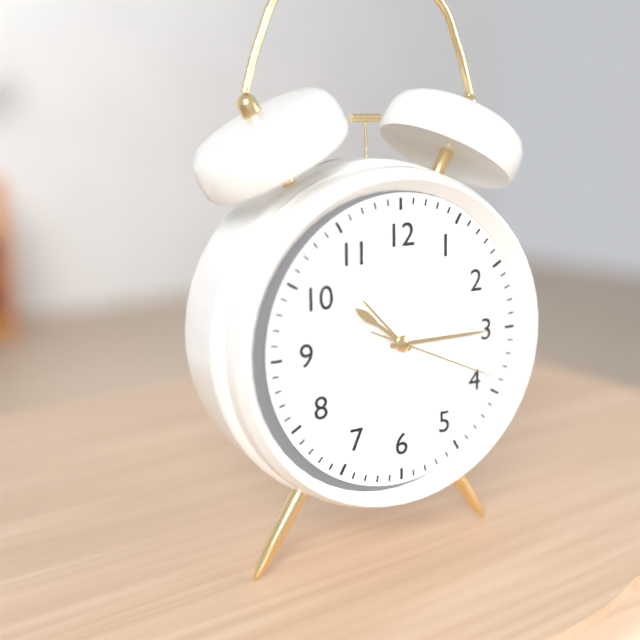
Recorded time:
{"hour": 10, "minute": 15, "second": 19}
